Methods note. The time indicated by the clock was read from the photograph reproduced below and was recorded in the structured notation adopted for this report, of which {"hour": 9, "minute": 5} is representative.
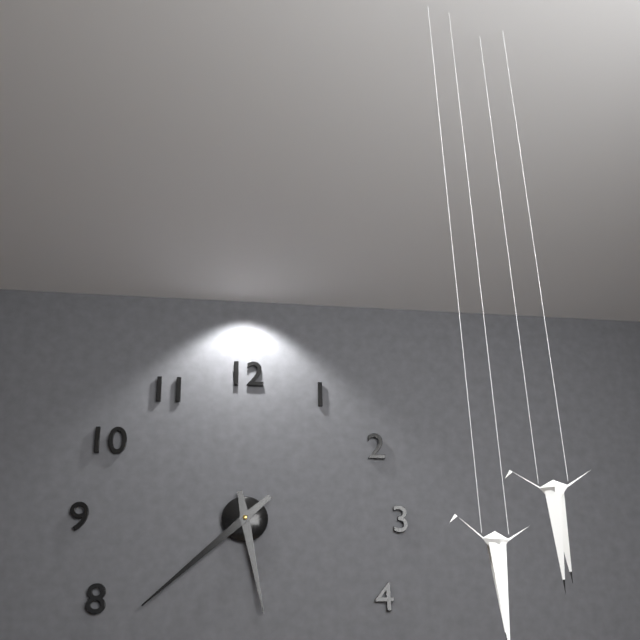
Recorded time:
{"hour": 5, "minute": 38}
